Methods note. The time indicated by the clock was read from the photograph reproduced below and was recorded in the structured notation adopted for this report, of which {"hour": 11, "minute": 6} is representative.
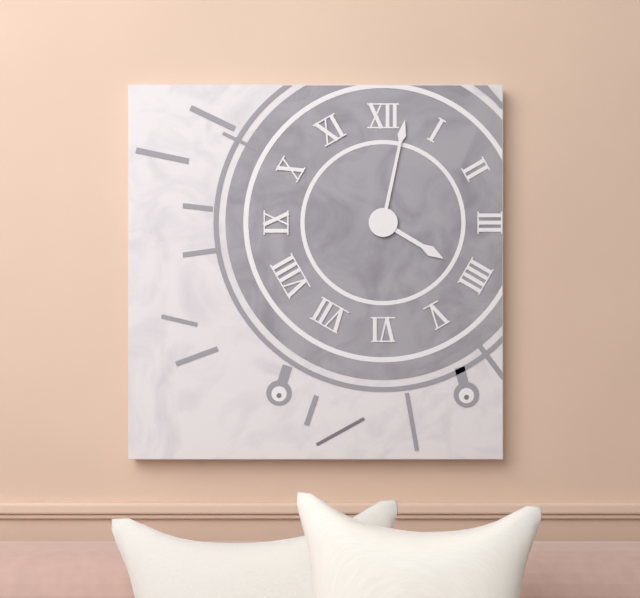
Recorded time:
{"hour": 4, "minute": 2}
